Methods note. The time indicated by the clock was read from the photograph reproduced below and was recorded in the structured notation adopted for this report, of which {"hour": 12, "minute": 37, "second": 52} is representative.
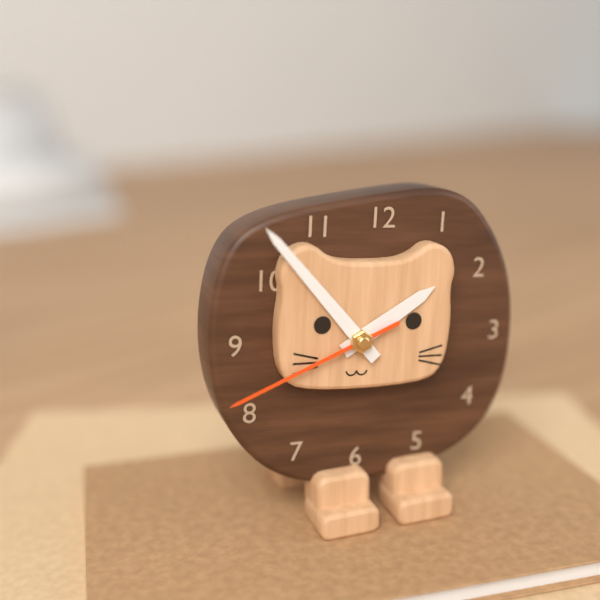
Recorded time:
{"hour": 1, "minute": 53, "second": 41}
